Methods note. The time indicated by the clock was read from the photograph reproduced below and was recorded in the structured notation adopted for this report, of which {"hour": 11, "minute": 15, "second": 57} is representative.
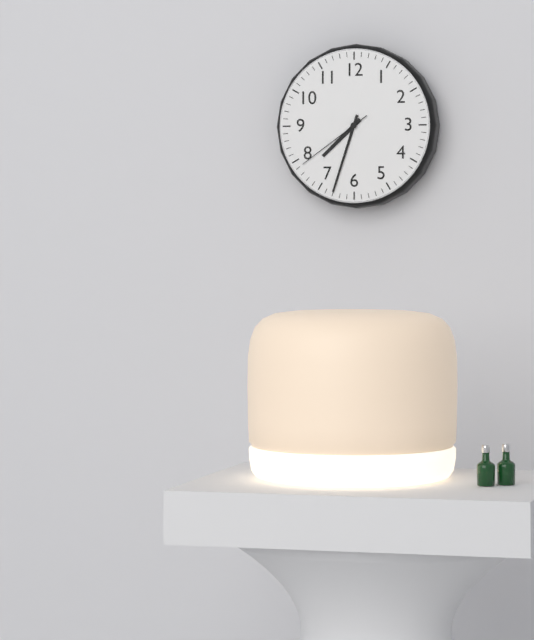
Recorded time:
{"hour": 7, "minute": 33, "second": 39}
